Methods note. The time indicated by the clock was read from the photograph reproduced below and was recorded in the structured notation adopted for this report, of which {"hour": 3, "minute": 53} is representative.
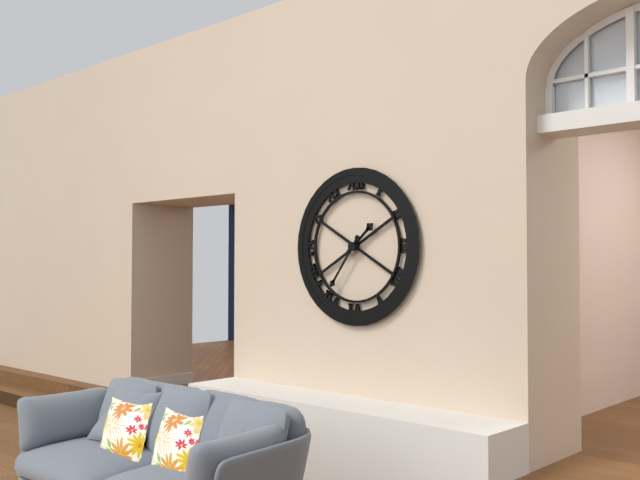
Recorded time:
{"hour": 1, "minute": 36}
